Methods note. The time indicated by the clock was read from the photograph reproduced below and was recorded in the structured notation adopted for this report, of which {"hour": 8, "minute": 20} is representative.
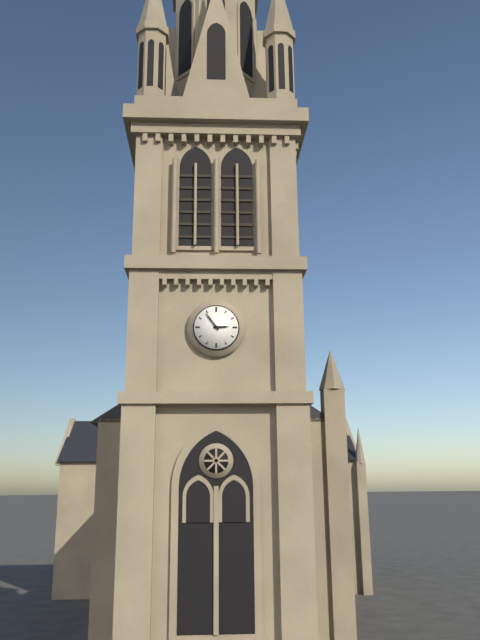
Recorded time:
{"hour": 2, "minute": 54}
